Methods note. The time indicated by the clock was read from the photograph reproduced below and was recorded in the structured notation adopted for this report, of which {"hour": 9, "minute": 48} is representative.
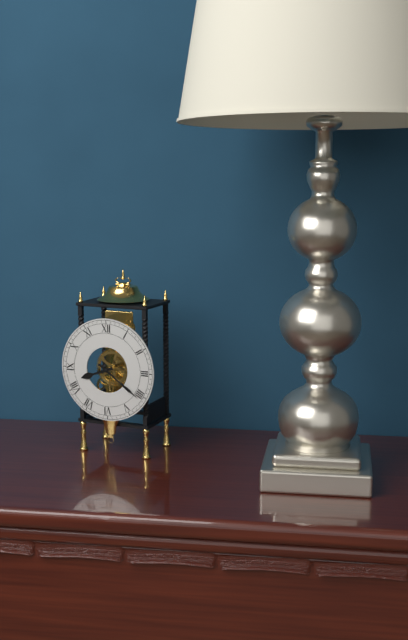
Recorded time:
{"hour": 8, "minute": 21}
